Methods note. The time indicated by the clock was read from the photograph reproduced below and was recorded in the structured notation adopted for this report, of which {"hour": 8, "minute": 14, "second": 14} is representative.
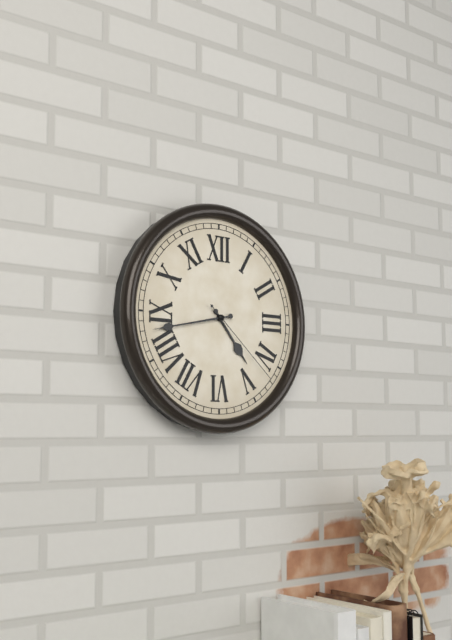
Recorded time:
{"hour": 4, "minute": 43, "second": 22}
